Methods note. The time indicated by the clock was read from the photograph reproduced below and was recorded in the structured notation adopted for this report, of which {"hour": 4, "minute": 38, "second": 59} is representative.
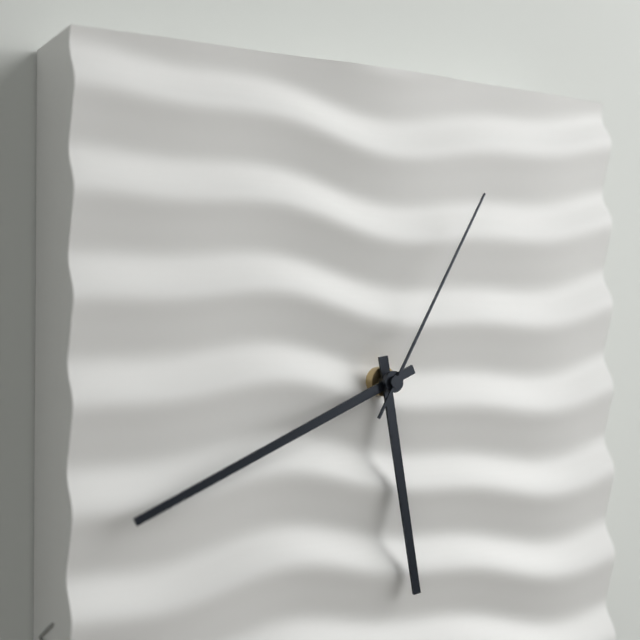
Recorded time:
{"hour": 5, "minute": 41, "second": 5}
